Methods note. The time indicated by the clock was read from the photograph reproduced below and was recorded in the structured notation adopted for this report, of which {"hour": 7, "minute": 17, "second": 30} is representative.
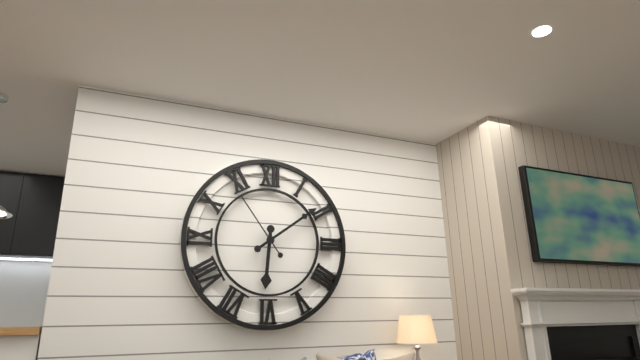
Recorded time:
{"hour": 6, "minute": 9, "second": 54}
